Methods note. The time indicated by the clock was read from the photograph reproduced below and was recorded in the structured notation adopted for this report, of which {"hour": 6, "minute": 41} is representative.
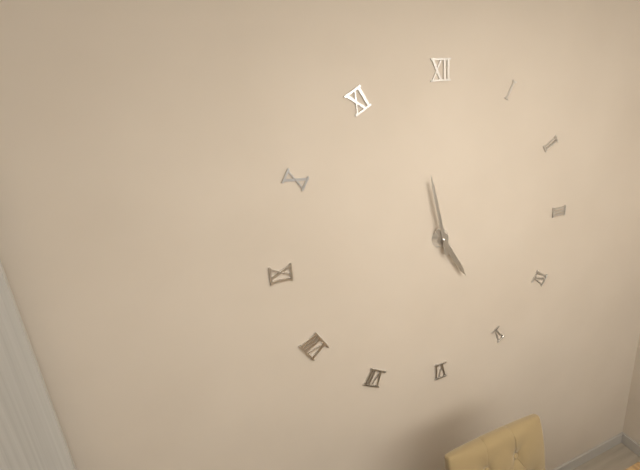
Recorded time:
{"hour": 4, "minute": 58}
